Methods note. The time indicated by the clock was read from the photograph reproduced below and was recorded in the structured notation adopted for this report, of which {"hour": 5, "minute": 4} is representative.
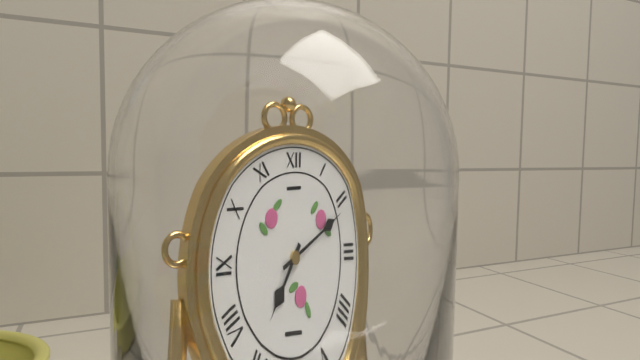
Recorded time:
{"hour": 7, "minute": 11}
